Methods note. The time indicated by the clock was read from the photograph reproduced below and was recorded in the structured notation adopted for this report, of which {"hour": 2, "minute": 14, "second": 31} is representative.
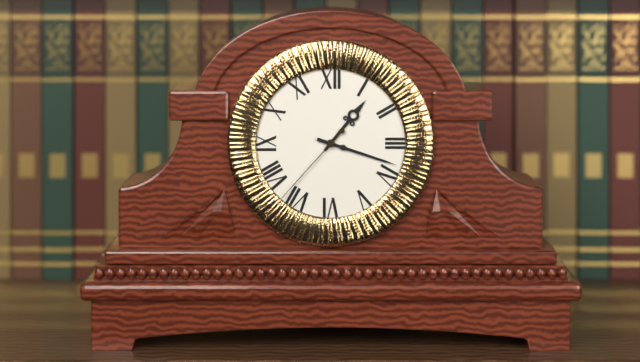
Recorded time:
{"hour": 1, "minute": 18, "second": 37}
